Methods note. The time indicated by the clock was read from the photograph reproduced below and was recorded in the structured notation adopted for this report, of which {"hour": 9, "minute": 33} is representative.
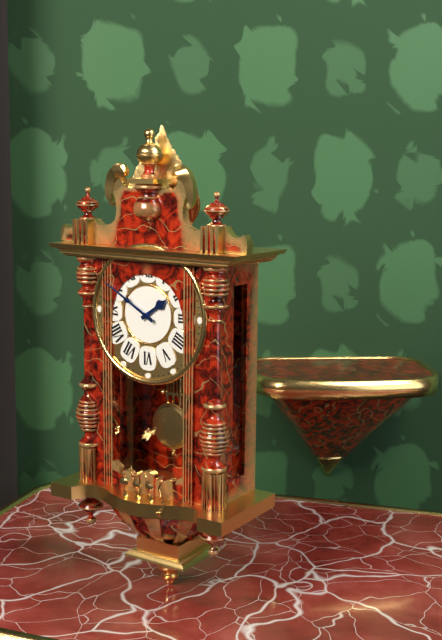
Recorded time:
{"hour": 1, "minute": 50}
